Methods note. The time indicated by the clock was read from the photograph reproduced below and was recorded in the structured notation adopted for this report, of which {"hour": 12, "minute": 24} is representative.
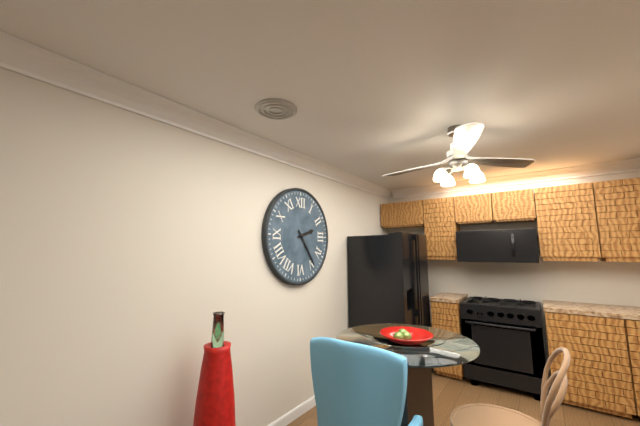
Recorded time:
{"hour": 2, "minute": 24}
